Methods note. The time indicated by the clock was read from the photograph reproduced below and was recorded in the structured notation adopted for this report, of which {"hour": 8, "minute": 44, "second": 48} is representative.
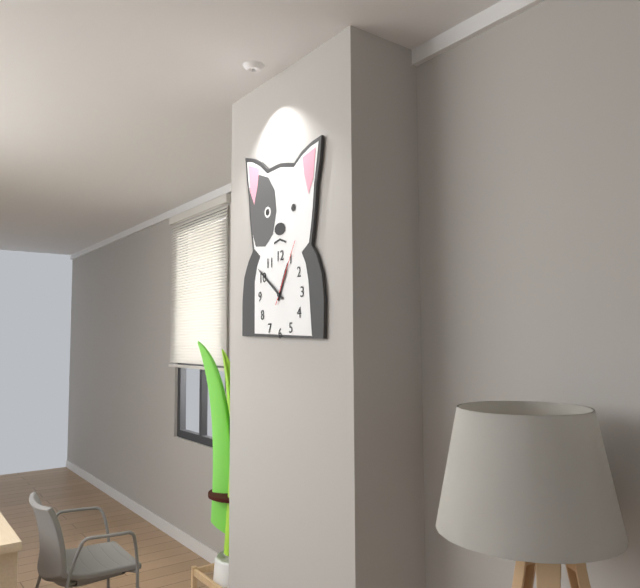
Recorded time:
{"hour": 12, "minute": 51, "second": 5}
